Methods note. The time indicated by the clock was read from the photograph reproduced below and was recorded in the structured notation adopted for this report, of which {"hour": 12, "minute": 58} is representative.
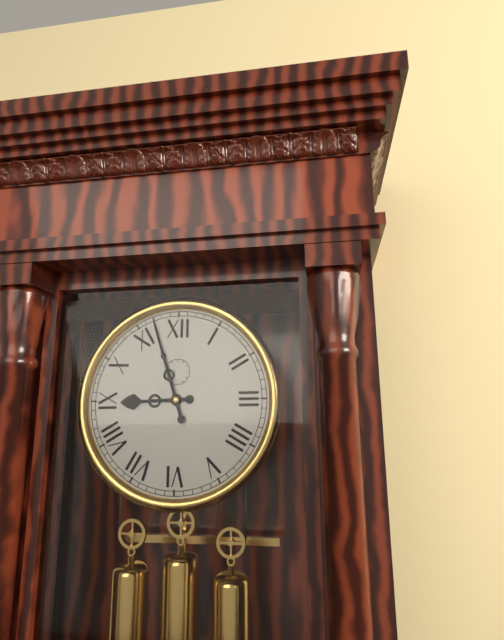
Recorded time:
{"hour": 8, "minute": 57}
